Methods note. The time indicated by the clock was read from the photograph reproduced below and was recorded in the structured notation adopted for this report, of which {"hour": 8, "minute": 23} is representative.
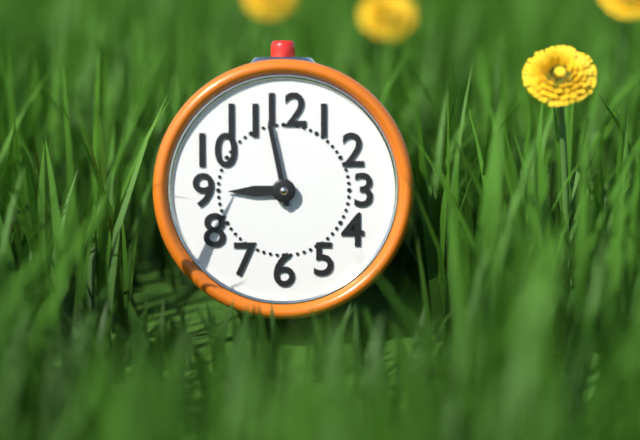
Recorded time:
{"hour": 8, "minute": 58}
